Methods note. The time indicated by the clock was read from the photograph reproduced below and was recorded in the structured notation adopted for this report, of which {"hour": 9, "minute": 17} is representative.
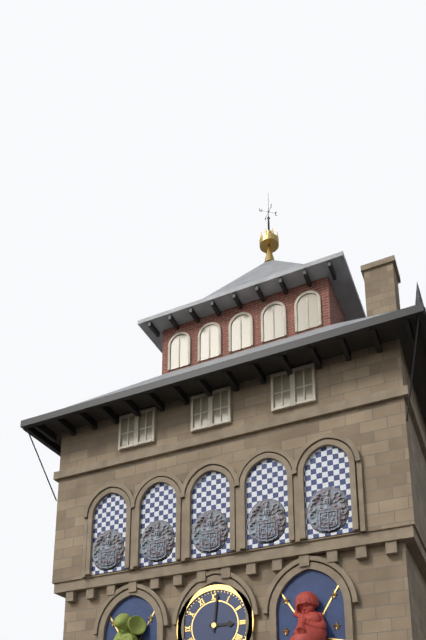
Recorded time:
{"hour": 3, "minute": 1}
